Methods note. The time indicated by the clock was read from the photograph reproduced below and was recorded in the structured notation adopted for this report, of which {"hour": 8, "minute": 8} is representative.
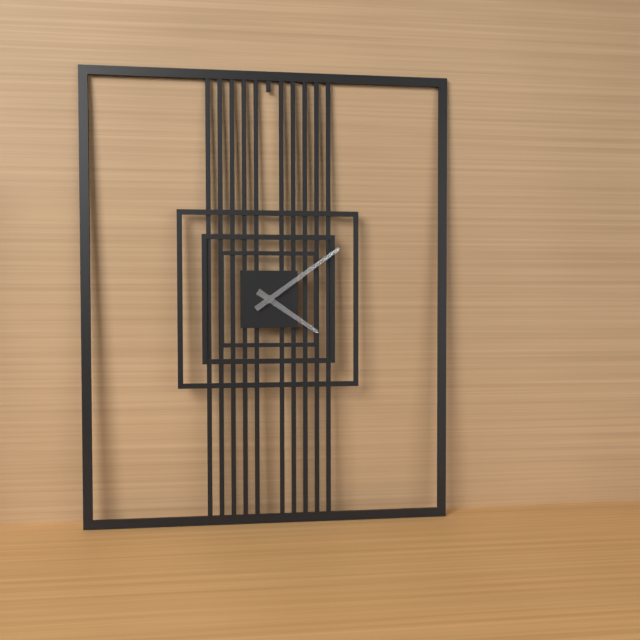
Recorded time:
{"hour": 4, "minute": 9}
